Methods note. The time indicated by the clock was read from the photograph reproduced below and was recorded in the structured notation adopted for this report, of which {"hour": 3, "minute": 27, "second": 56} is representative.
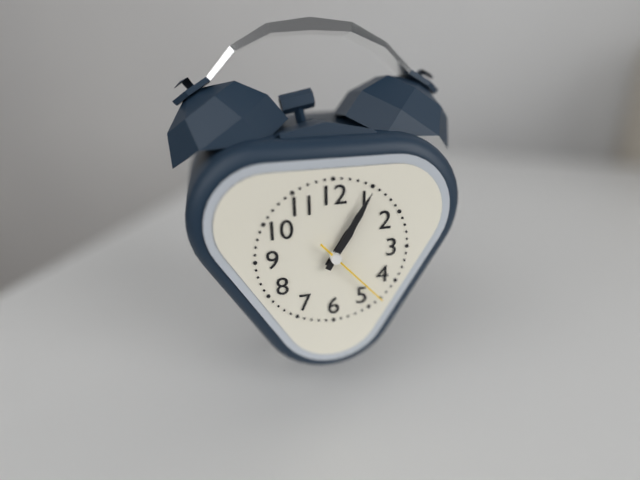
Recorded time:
{"hour": 1, "minute": 5, "second": 23}
